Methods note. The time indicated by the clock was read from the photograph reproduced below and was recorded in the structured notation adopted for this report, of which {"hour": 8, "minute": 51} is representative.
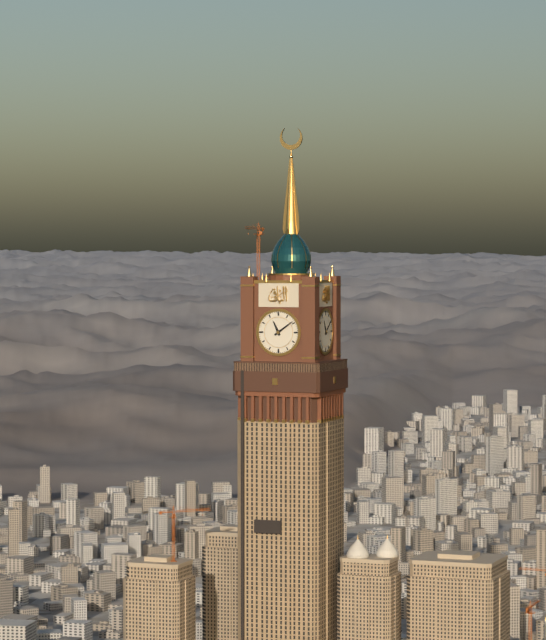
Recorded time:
{"hour": 11, "minute": 9}
